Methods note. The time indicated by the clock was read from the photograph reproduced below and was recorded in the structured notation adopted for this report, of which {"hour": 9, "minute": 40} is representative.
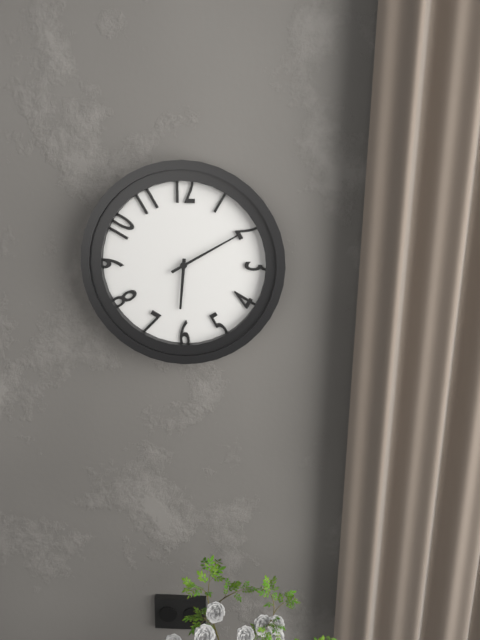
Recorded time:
{"hour": 6, "minute": 10}
